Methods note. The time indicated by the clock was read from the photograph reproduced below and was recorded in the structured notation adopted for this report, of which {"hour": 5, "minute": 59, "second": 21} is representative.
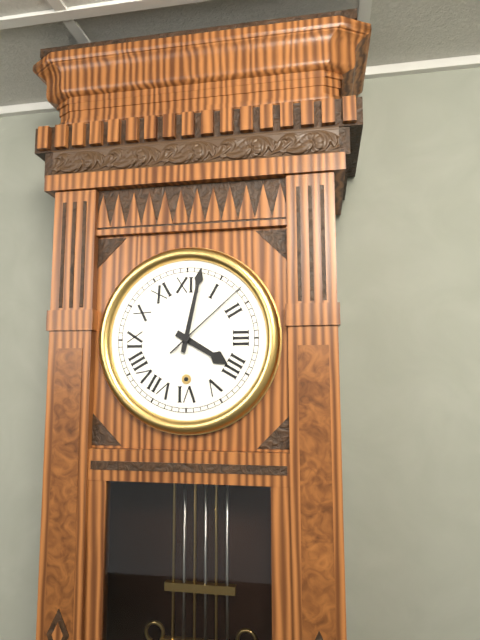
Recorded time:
{"hour": 4, "minute": 2, "second": 8}
